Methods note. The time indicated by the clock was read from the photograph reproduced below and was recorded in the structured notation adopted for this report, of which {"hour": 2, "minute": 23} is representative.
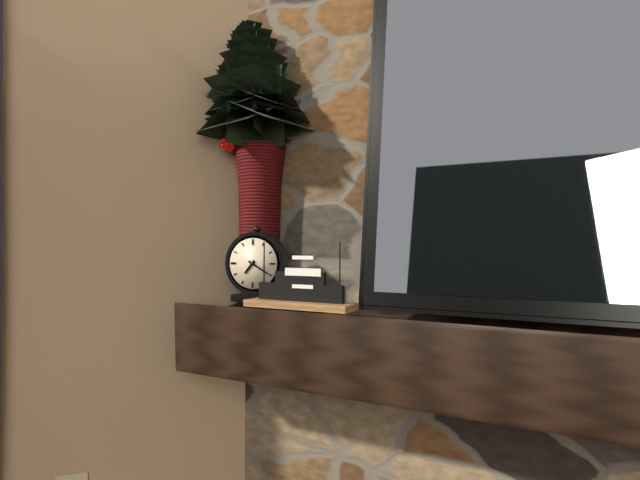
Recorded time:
{"hour": 7, "minute": 20}
